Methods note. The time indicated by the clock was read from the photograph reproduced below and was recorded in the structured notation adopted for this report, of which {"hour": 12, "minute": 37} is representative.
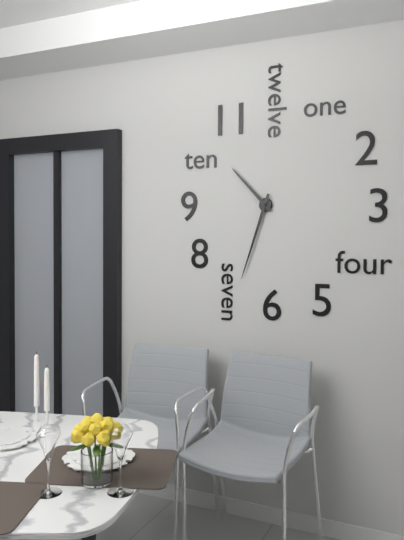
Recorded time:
{"hour": 10, "minute": 33}
